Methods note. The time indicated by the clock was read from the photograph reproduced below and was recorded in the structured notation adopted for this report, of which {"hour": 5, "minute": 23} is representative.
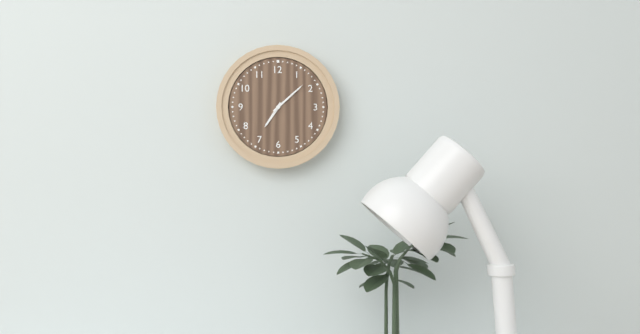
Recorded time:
{"hour": 7, "minute": 8}
